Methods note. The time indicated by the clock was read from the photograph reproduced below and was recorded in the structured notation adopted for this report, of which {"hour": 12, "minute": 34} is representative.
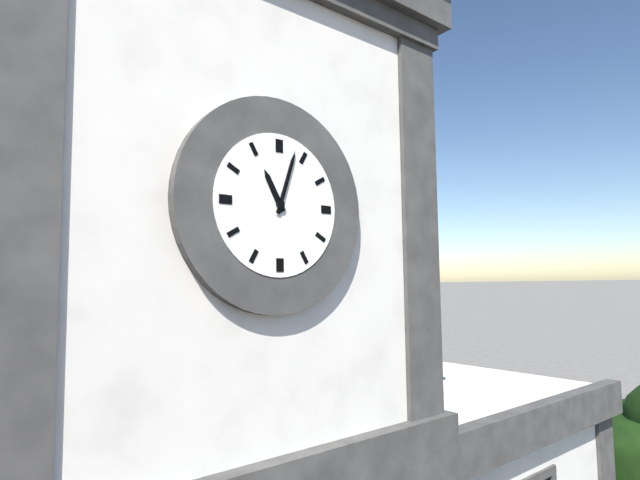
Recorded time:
{"hour": 11, "minute": 3}
